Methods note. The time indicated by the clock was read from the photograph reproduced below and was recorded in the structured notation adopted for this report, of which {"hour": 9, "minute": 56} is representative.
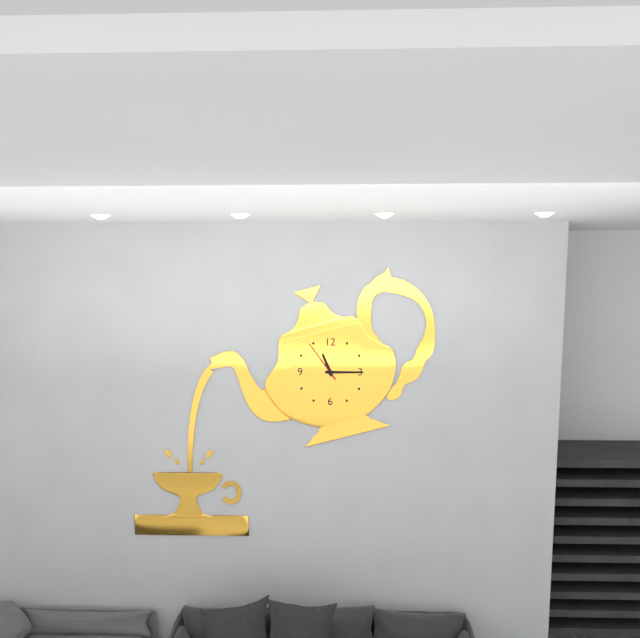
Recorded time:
{"hour": 11, "minute": 15}
